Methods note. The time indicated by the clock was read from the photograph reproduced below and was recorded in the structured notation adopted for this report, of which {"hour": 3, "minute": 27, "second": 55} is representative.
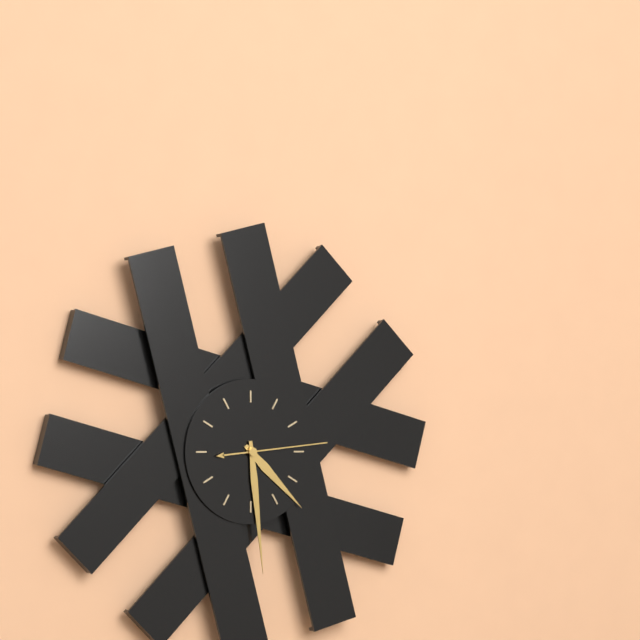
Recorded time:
{"hour": 4, "minute": 29, "second": 14}
